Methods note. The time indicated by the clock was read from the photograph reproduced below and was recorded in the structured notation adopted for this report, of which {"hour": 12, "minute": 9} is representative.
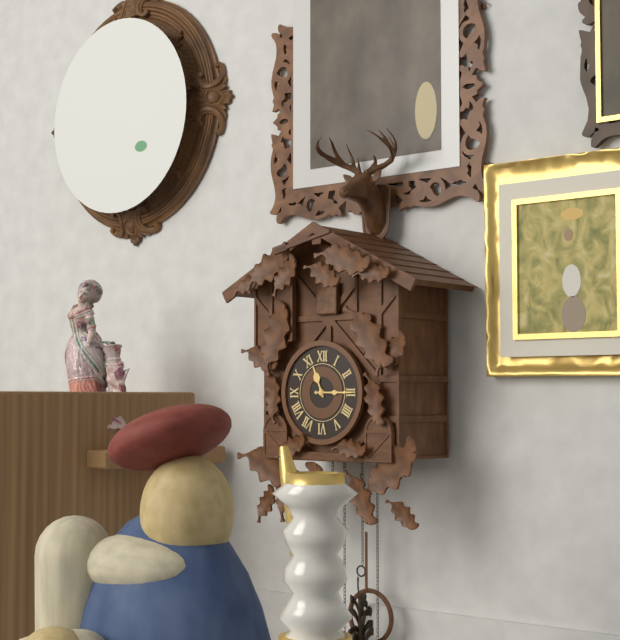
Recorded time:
{"hour": 11, "minute": 15}
